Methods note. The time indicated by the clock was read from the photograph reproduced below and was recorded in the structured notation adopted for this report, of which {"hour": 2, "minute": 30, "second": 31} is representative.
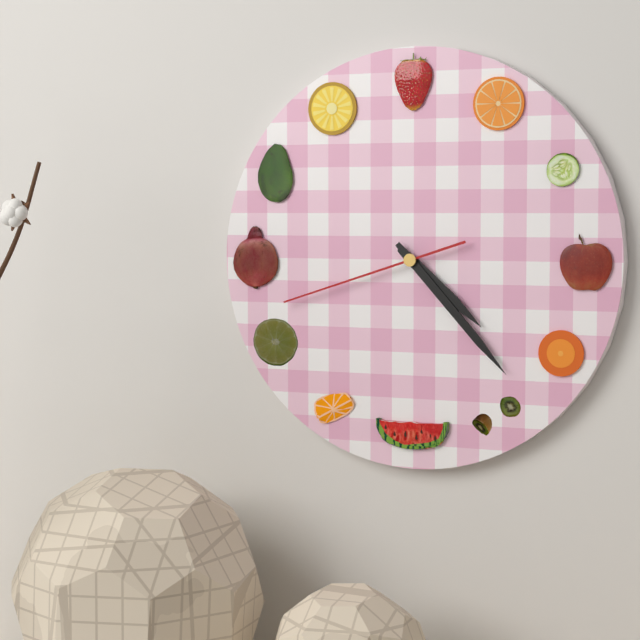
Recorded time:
{"hour": 4, "minute": 23, "second": 42}
